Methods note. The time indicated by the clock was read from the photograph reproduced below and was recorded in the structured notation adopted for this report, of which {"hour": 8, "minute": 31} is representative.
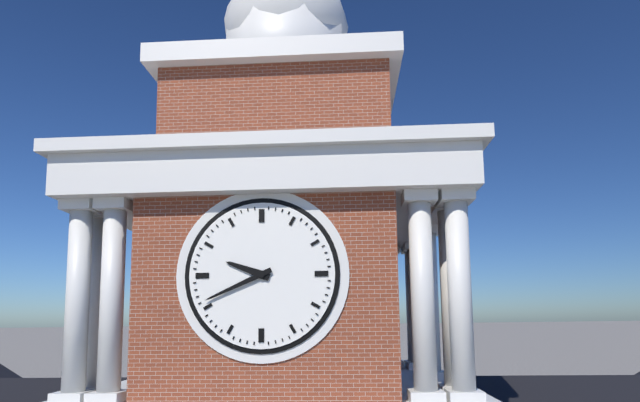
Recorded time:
{"hour": 9, "minute": 41}
